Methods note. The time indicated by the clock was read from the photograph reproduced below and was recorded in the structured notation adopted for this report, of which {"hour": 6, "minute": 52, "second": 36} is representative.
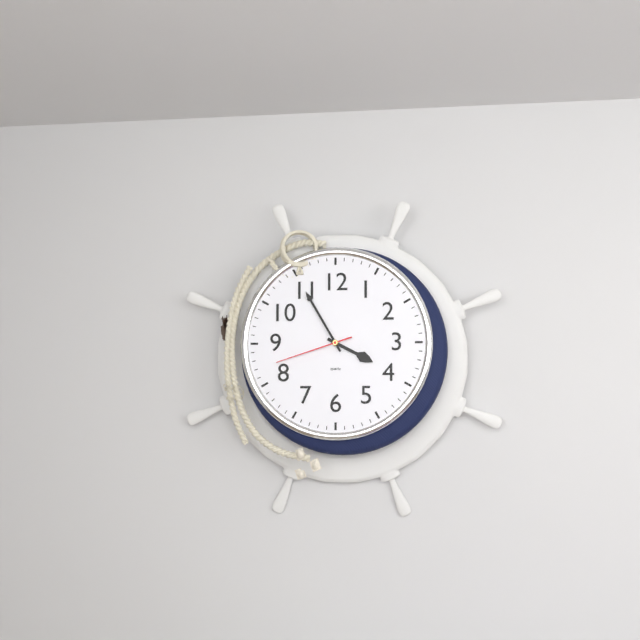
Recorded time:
{"hour": 3, "minute": 55, "second": 42}
